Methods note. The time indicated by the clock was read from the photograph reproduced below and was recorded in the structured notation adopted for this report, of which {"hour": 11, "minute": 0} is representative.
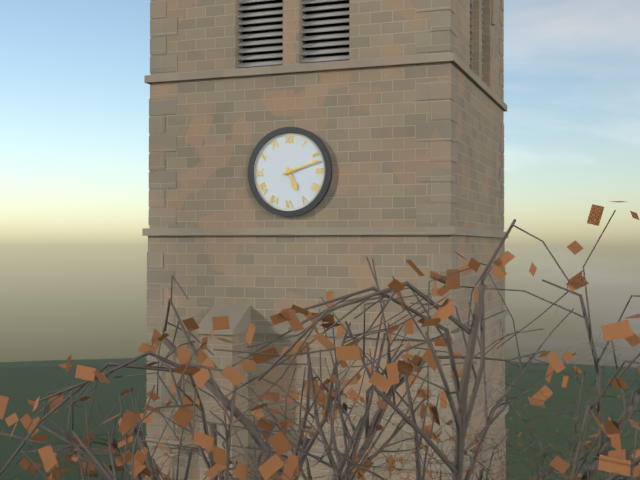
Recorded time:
{"hour": 5, "minute": 12}
